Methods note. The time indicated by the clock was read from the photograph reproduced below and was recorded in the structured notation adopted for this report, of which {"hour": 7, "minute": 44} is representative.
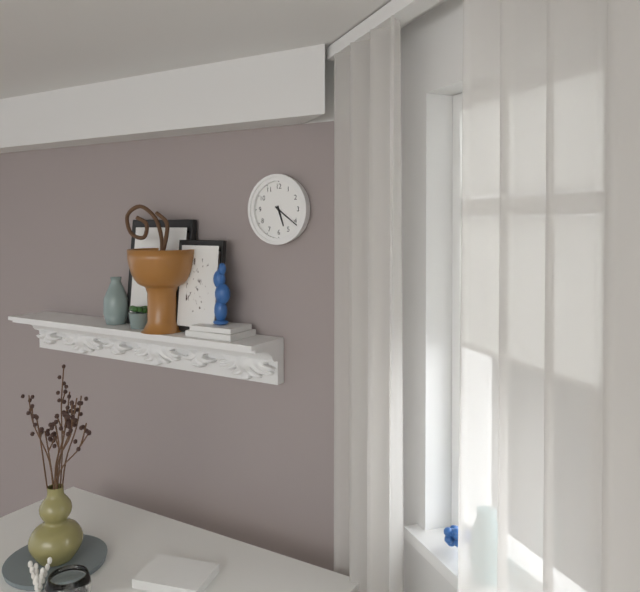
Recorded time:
{"hour": 5, "minute": 21}
